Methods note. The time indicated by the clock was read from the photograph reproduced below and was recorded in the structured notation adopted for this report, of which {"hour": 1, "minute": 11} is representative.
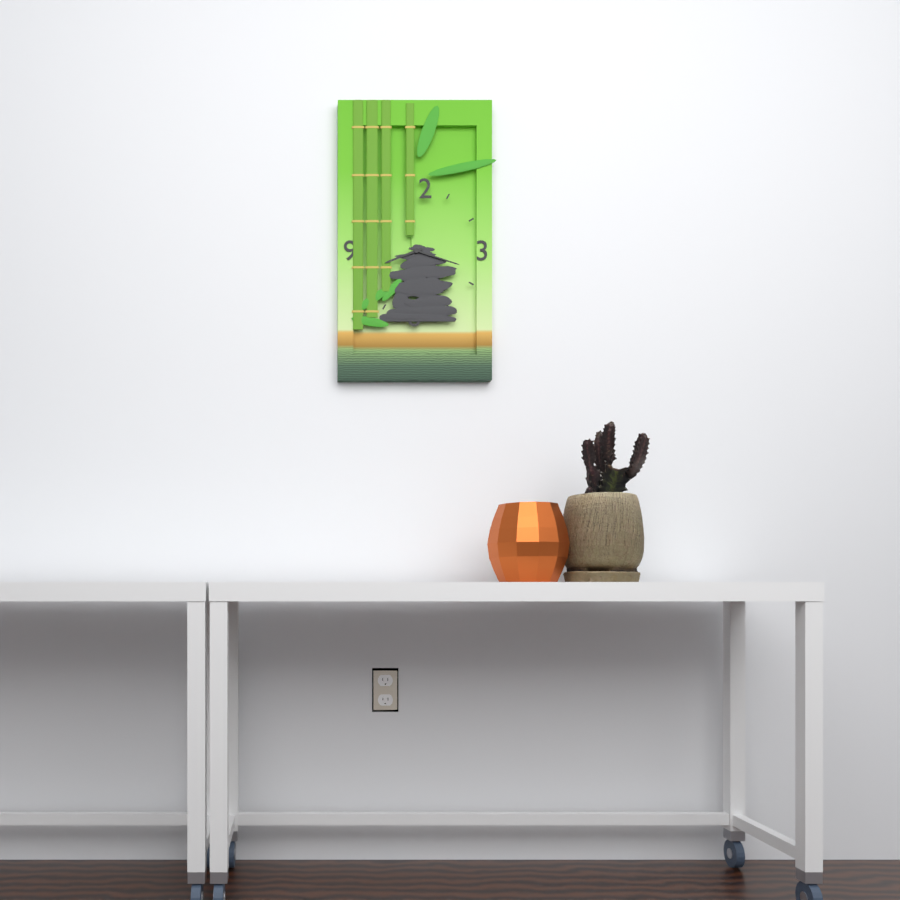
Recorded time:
{"hour": 8, "minute": 18}
